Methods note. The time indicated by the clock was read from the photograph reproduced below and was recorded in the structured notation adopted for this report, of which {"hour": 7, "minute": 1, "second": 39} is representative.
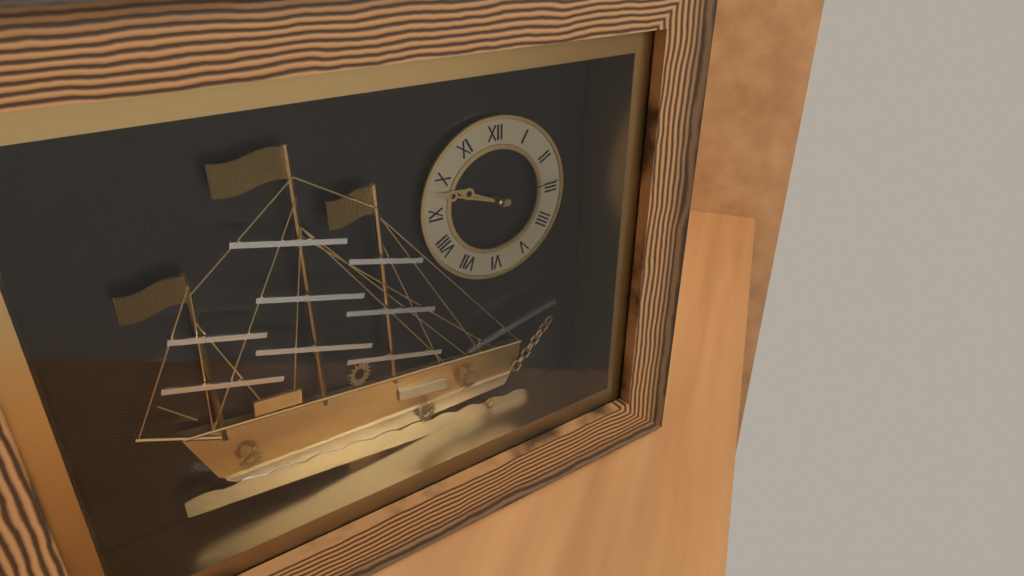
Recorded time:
{"hour": 9, "minute": 48, "second": 14}
